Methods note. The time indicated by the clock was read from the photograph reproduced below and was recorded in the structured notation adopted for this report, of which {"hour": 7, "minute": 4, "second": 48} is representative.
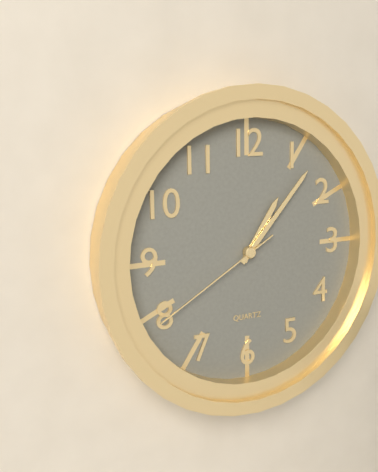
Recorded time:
{"hour": 1, "minute": 7, "second": 40}
